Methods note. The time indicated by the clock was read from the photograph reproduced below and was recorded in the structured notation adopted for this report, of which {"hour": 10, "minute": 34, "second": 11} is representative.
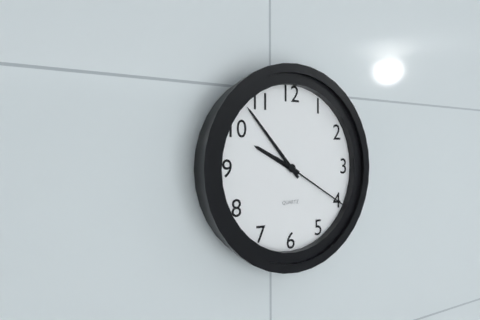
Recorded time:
{"hour": 9, "minute": 53, "second": 20}
